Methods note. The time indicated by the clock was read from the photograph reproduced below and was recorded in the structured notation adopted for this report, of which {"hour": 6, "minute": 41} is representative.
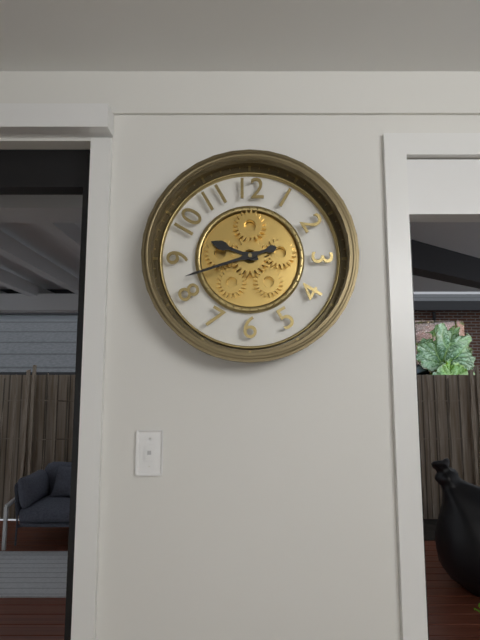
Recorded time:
{"hour": 9, "minute": 42}
